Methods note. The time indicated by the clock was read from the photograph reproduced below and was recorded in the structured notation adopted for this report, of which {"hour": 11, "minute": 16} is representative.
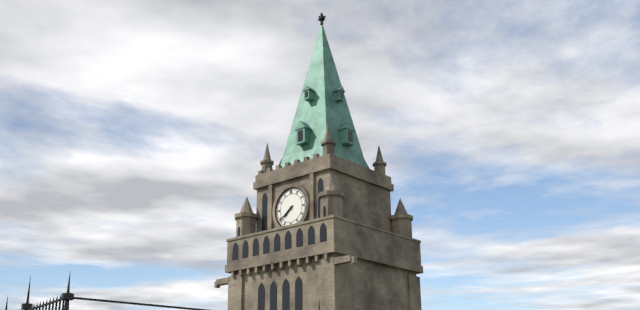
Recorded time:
{"hour": 7, "minute": 39}
